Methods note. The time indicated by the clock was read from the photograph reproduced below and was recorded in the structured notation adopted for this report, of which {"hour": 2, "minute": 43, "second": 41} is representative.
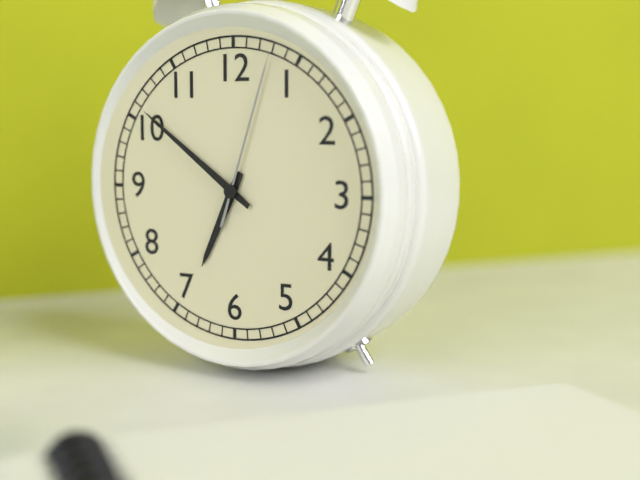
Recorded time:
{"hour": 6, "minute": 51, "second": 3}
